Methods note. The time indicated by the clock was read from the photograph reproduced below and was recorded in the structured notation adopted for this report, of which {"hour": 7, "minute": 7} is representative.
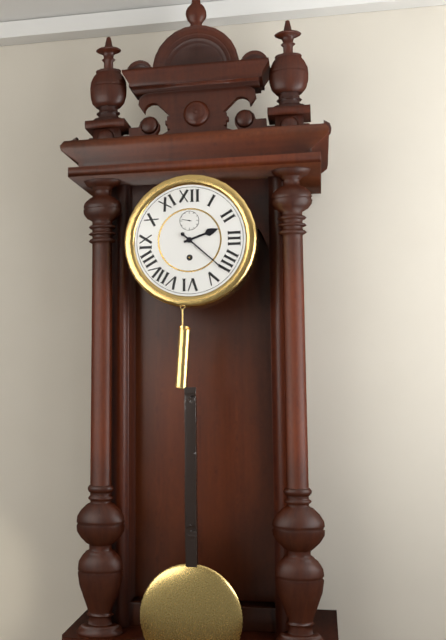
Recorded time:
{"hour": 2, "minute": 22}
